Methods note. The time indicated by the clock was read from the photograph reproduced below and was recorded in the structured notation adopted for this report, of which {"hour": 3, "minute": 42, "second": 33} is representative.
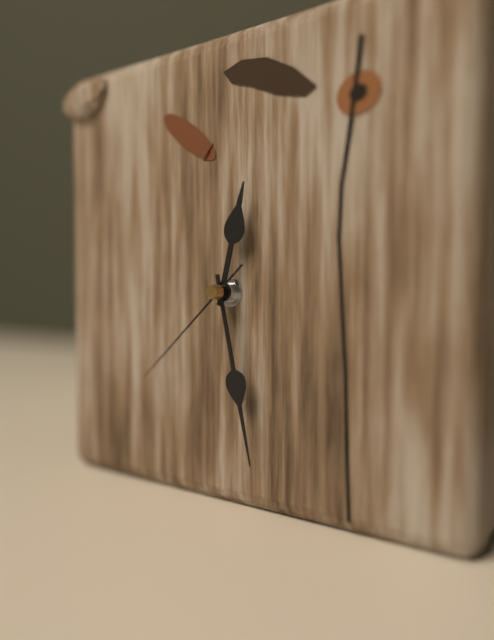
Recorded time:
{"hour": 12, "minute": 28, "second": 38}
